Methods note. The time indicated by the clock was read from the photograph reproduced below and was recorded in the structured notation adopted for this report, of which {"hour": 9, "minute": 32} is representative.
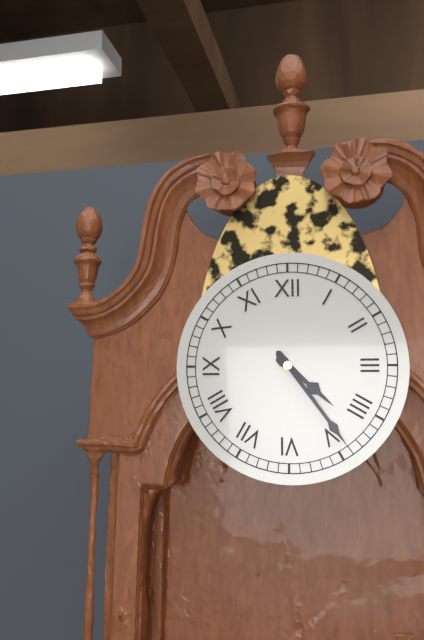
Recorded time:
{"hour": 4, "minute": 24}
